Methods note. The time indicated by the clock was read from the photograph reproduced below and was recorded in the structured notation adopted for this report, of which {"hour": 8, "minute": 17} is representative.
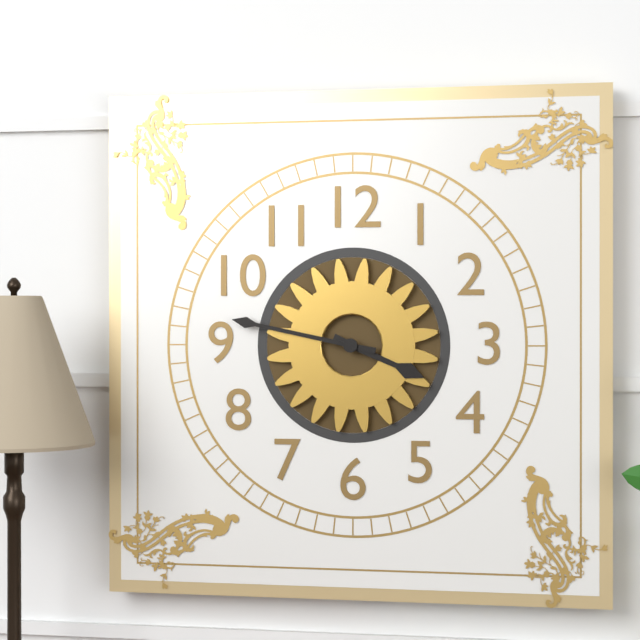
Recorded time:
{"hour": 3, "minute": 47}
